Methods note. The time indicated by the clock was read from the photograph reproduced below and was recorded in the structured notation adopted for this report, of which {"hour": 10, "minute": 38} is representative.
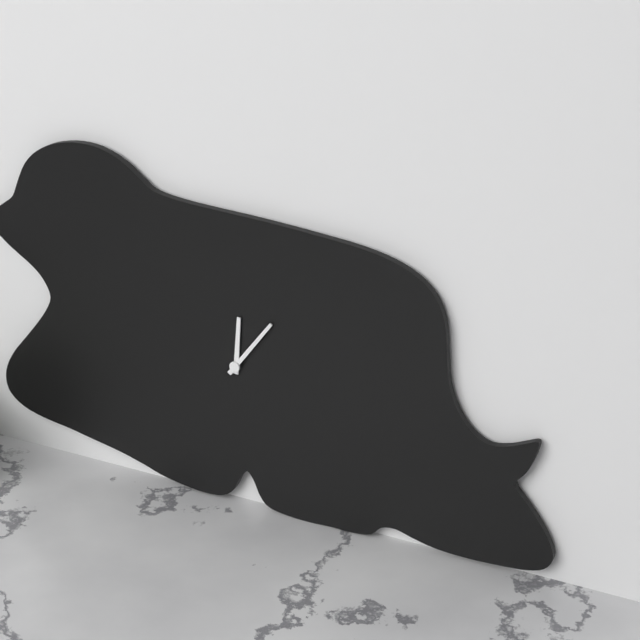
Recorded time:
{"hour": 12, "minute": 6}
